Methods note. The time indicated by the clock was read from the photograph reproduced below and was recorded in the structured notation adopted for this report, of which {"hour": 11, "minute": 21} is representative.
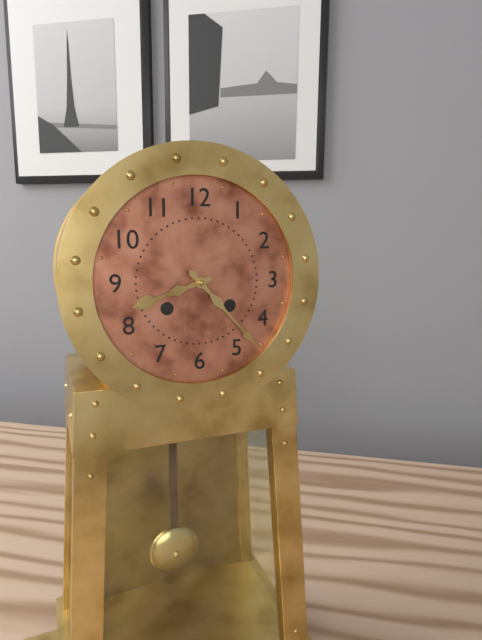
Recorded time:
{"hour": 8, "minute": 23}
